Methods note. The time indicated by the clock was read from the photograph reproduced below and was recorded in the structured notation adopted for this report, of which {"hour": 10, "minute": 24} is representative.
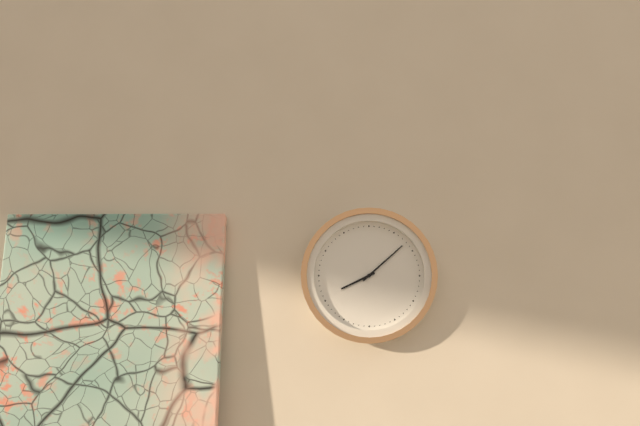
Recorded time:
{"hour": 8, "minute": 8}
